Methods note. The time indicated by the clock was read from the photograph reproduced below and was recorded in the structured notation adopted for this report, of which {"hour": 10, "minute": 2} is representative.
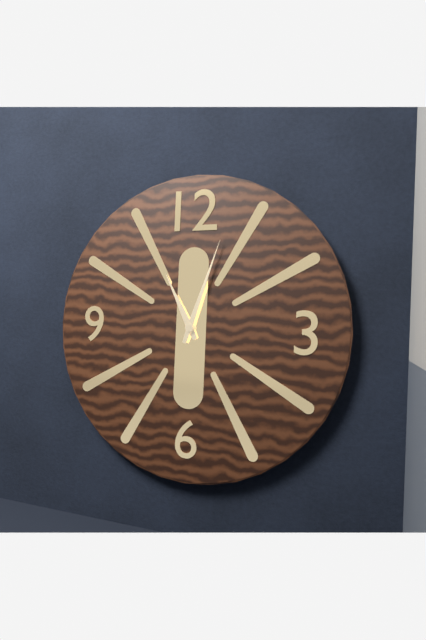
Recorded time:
{"hour": 11, "minute": 3}
